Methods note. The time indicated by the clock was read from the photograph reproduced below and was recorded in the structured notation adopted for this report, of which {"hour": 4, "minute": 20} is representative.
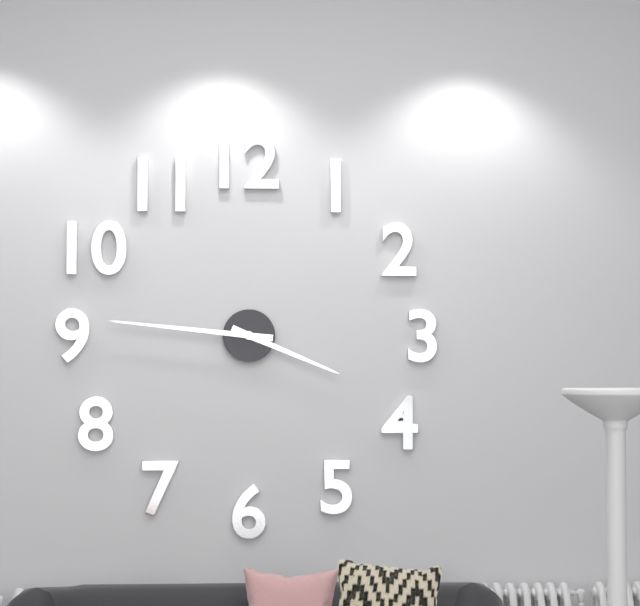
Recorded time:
{"hour": 3, "minute": 46}
